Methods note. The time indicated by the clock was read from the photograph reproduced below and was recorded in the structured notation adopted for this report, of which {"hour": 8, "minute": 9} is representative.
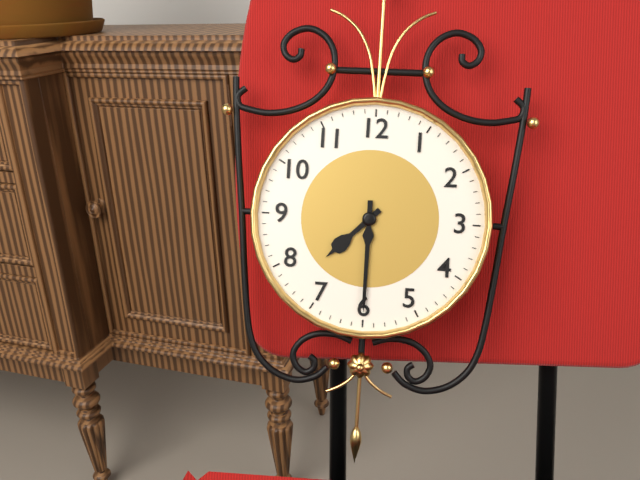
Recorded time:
{"hour": 7, "minute": 30}
